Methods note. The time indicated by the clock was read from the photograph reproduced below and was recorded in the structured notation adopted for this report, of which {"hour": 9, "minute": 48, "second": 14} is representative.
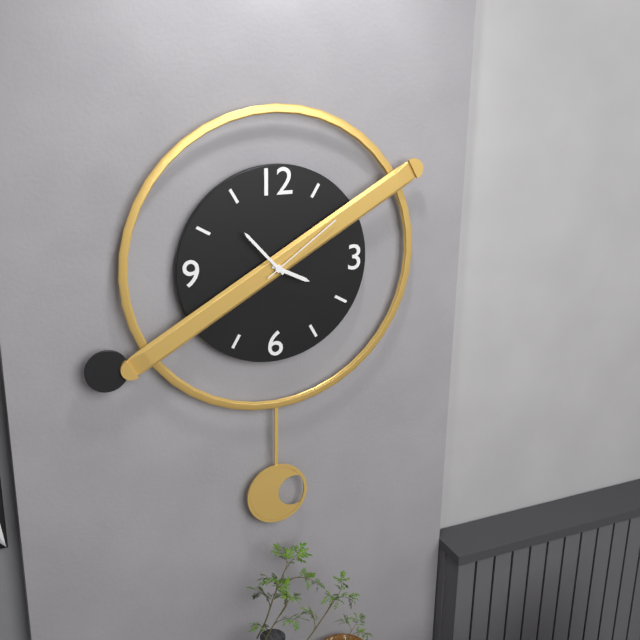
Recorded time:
{"hour": 3, "minute": 53, "second": 9}
